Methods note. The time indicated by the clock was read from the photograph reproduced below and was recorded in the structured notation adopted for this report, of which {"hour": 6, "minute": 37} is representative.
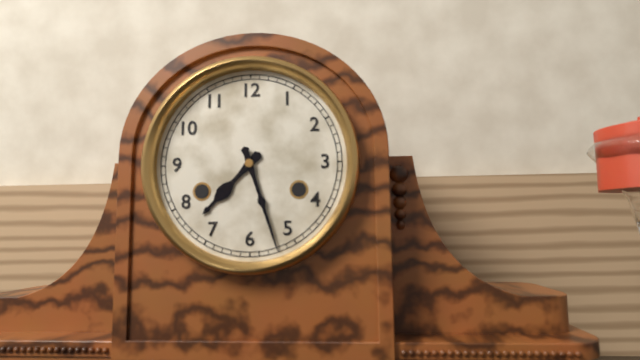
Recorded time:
{"hour": 7, "minute": 27}
